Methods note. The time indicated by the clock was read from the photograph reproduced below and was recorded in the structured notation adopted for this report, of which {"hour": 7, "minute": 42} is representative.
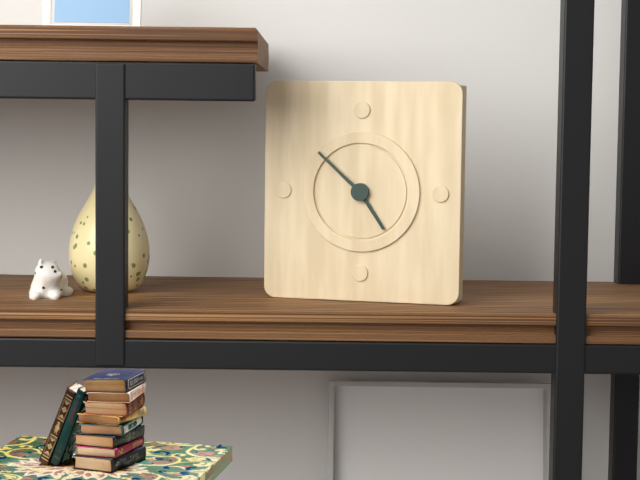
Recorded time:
{"hour": 4, "minute": 52}
